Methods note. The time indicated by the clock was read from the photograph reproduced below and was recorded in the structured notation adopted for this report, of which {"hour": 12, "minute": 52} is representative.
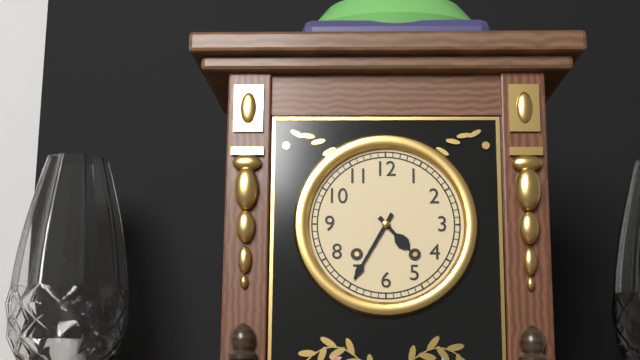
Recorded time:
{"hour": 4, "minute": 35}
